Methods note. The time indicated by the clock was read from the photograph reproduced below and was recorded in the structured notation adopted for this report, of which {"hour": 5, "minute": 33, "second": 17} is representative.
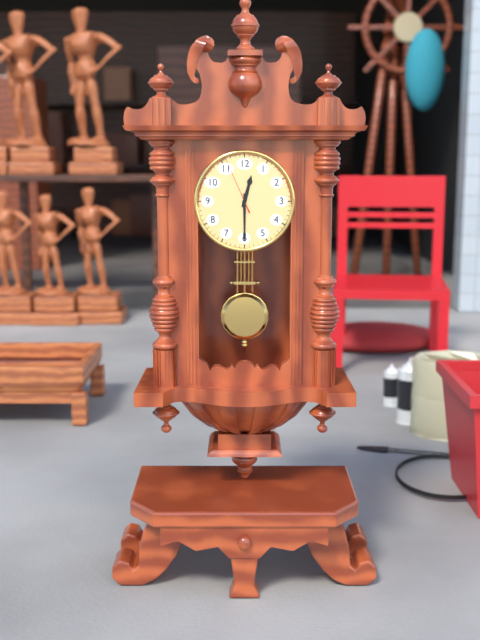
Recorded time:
{"hour": 12, "minute": 30, "second": 56}
